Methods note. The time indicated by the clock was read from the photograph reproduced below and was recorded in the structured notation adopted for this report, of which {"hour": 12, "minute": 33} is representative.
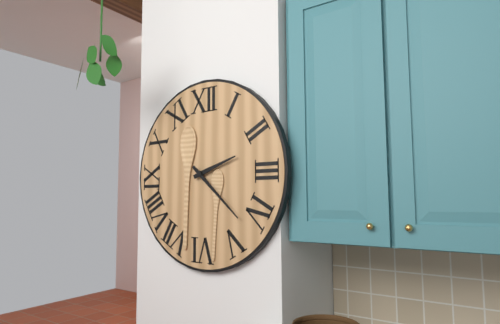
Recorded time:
{"hour": 2, "minute": 22}
